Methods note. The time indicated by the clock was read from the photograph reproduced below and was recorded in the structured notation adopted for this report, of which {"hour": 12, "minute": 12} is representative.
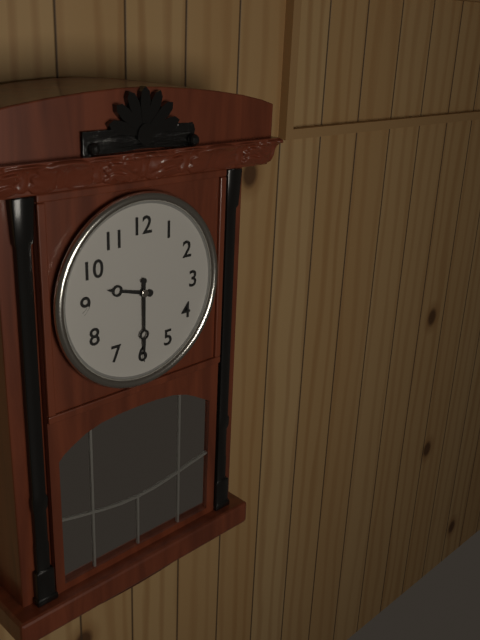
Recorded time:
{"hour": 9, "minute": 30}
